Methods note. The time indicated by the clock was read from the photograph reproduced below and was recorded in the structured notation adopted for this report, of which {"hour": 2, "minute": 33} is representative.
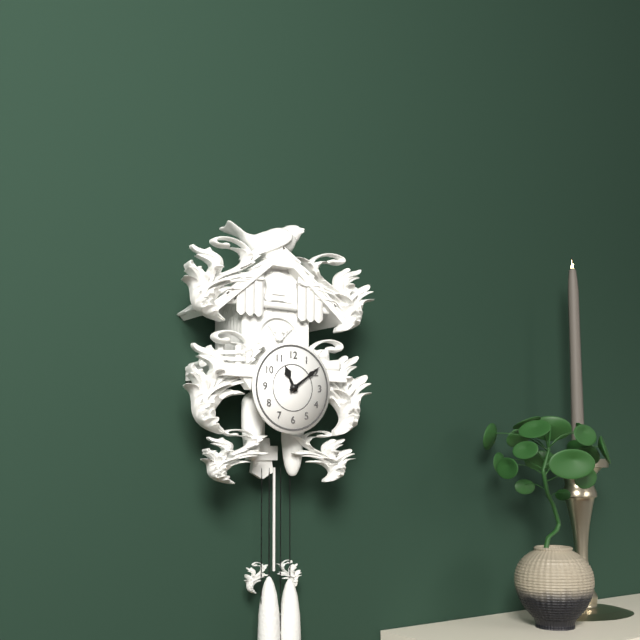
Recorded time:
{"hour": 11, "minute": 9}
